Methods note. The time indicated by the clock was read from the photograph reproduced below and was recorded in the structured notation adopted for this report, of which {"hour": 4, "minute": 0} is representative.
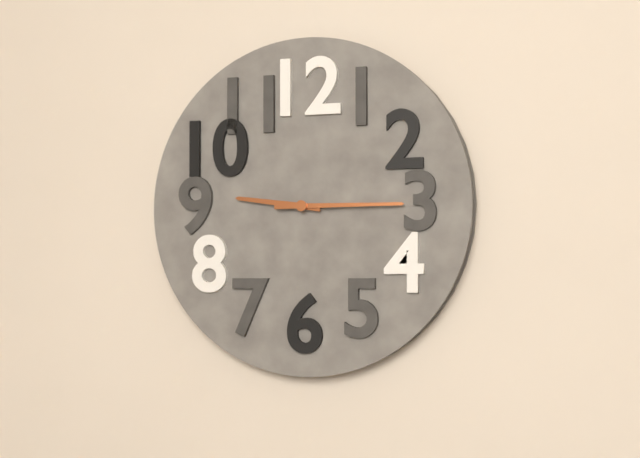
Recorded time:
{"hour": 9, "minute": 15}
